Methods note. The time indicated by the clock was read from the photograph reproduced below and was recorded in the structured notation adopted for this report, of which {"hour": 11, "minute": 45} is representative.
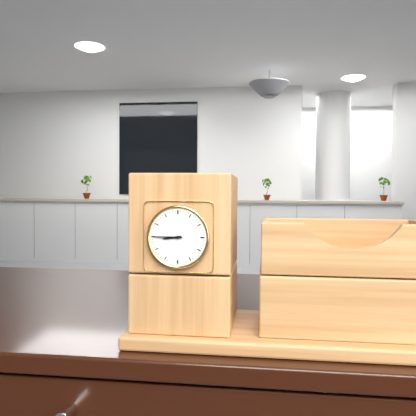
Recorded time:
{"hour": 8, "minute": 45}
